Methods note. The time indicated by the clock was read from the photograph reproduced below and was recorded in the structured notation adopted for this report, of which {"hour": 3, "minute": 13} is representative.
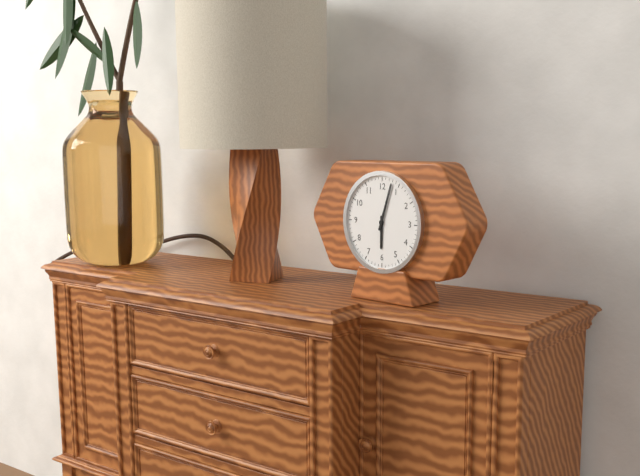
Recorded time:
{"hour": 6, "minute": 3}
